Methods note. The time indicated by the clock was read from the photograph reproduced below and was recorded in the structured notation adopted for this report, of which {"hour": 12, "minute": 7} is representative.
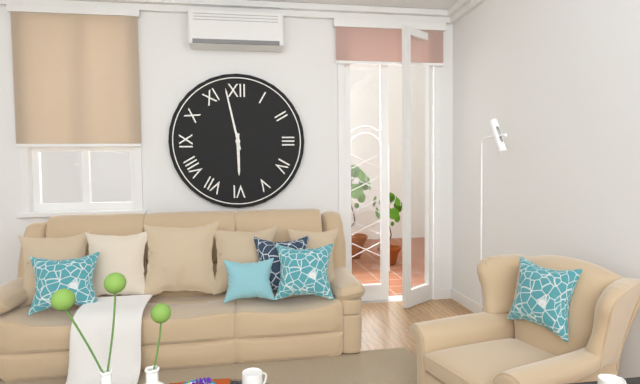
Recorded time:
{"hour": 5, "minute": 58}
